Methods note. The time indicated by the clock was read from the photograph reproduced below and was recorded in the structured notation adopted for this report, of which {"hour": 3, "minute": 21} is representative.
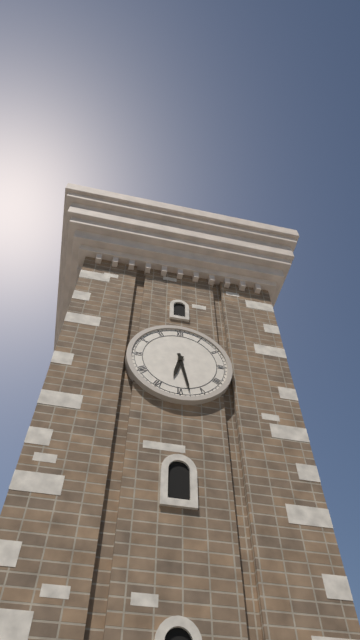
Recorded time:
{"hour": 6, "minute": 28}
